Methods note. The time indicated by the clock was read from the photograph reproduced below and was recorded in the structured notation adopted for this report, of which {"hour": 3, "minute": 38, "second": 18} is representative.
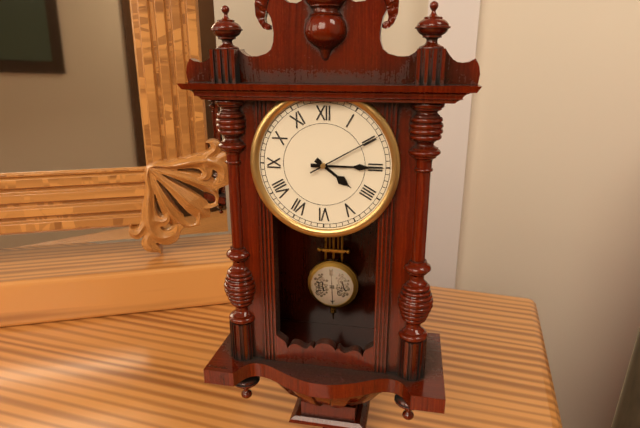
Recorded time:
{"hour": 4, "minute": 15, "second": 10}
